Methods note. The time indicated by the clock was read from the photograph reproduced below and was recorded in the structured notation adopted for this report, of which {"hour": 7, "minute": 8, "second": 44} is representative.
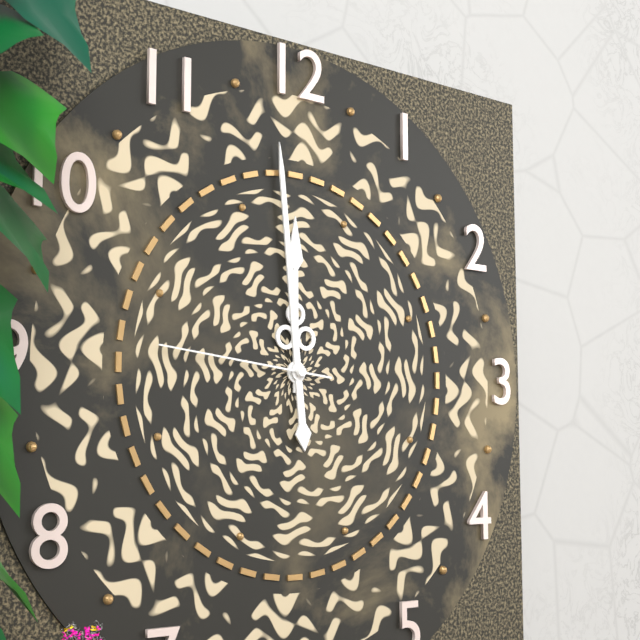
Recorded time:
{"hour": 11, "minute": 59, "second": 46}
